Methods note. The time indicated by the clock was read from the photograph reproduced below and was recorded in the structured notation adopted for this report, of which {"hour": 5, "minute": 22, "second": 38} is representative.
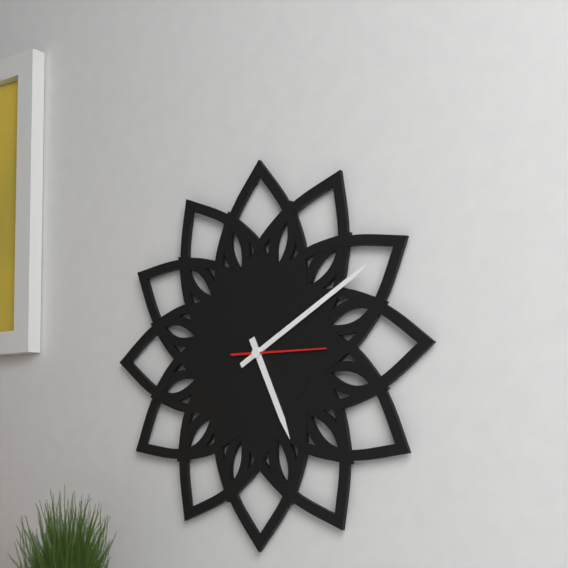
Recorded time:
{"hour": 5, "minute": 10, "second": 15}
